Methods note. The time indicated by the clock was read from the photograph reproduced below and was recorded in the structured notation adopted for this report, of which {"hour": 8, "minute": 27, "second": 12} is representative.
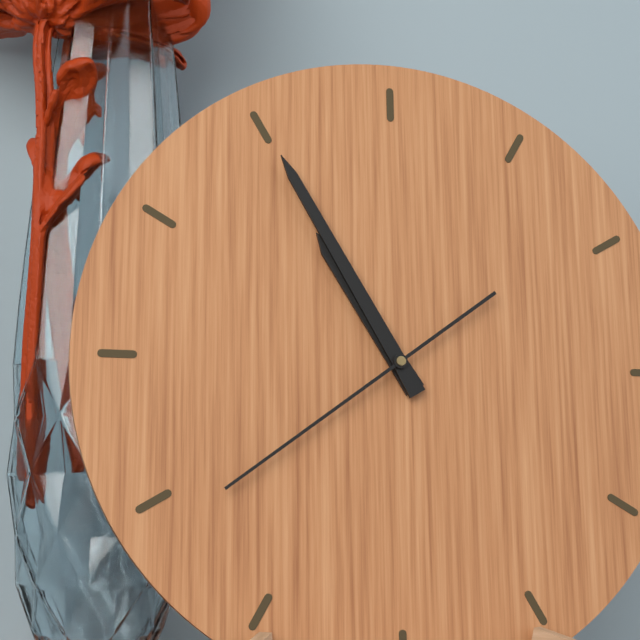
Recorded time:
{"hour": 10, "minute": 55, "second": 39}
